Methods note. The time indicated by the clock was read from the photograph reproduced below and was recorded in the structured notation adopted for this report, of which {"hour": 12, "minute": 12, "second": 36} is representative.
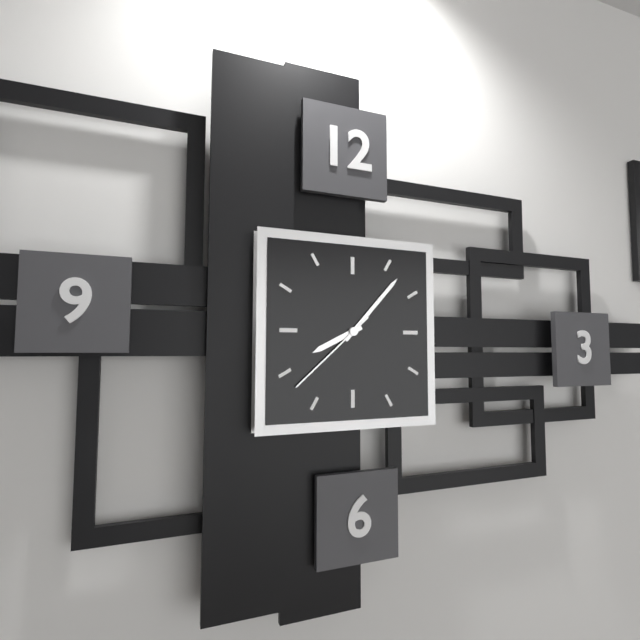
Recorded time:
{"hour": 8, "minute": 7, "second": 38}
